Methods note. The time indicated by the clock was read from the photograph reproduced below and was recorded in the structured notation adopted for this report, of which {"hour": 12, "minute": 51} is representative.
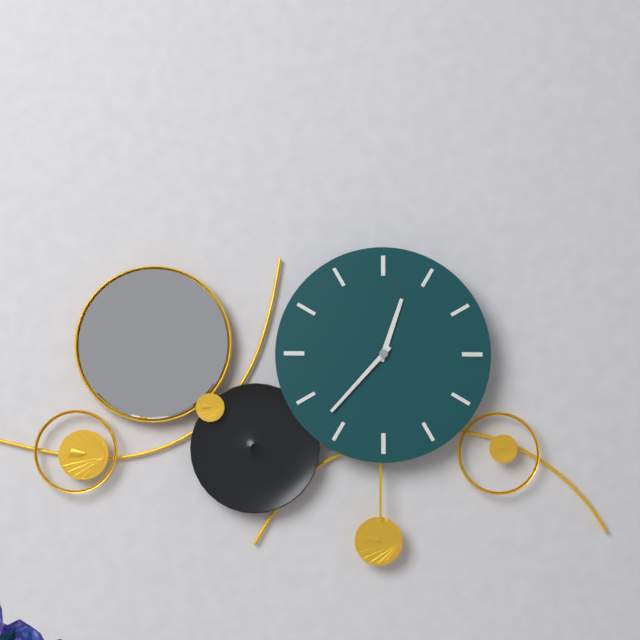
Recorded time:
{"hour": 12, "minute": 37}
